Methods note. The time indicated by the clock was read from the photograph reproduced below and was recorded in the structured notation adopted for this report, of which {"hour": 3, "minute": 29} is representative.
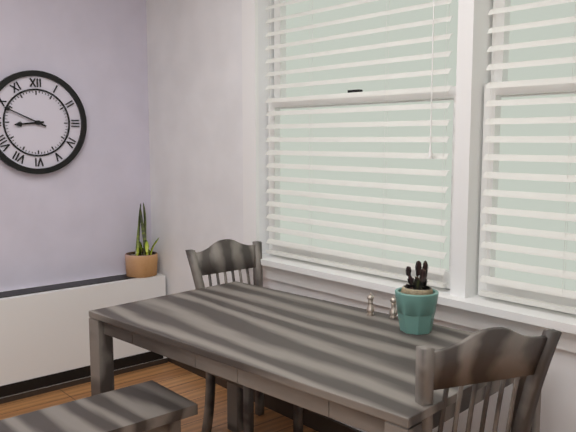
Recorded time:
{"hour": 8, "minute": 49}
